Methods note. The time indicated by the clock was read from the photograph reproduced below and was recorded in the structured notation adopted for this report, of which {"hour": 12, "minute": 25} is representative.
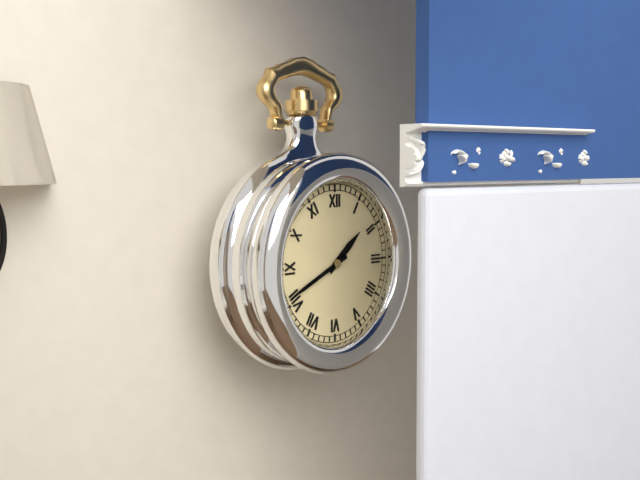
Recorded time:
{"hour": 1, "minute": 41}
